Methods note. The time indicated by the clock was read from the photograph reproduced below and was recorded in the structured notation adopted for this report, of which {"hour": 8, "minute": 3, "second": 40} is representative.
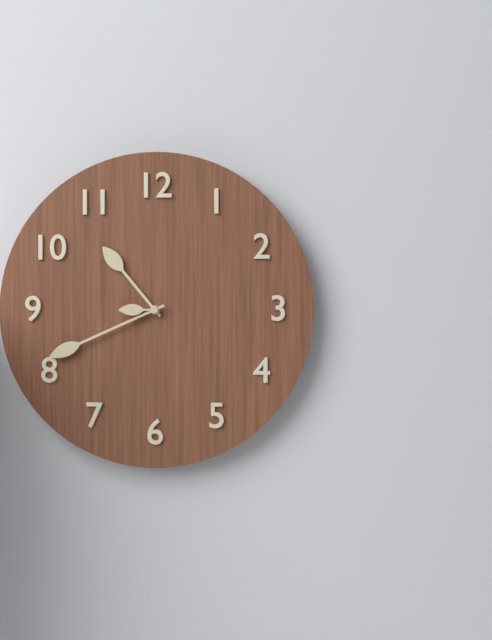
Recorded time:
{"hour": 10, "minute": 41, "second": 45}
